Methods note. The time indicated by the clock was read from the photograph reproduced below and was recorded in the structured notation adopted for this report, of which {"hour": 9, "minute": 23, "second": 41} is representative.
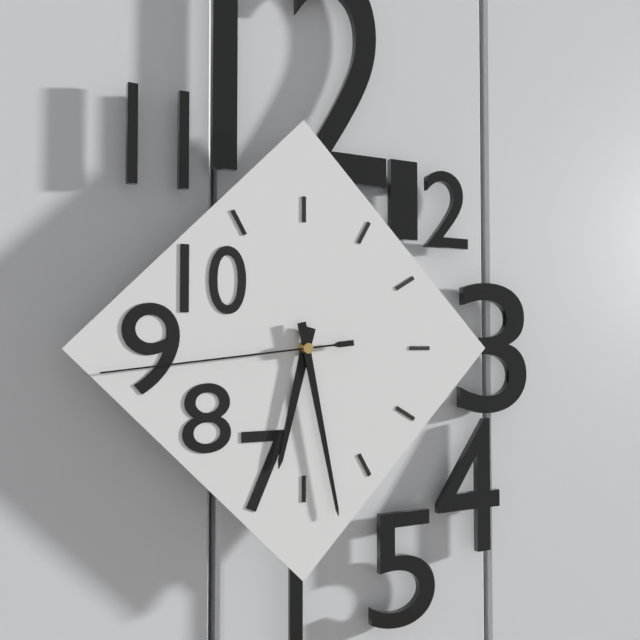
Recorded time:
{"hour": 6, "minute": 28, "second": 44}
